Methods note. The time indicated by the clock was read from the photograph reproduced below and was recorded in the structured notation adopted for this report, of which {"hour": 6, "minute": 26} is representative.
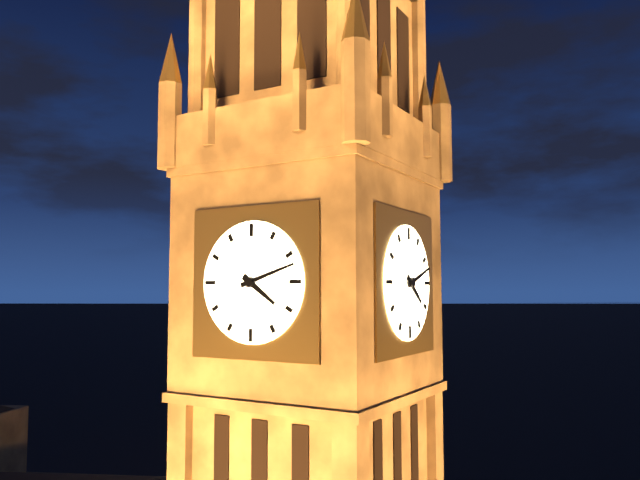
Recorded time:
{"hour": 4, "minute": 12}
